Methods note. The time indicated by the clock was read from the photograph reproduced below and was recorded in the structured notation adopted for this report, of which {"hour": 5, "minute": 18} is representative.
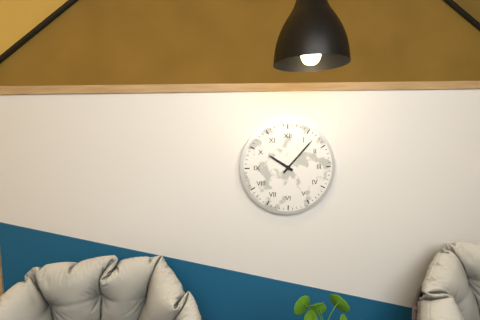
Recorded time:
{"hour": 10, "minute": 7}
